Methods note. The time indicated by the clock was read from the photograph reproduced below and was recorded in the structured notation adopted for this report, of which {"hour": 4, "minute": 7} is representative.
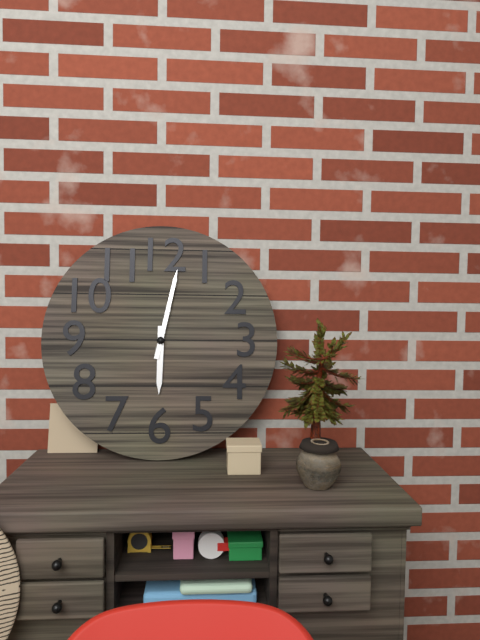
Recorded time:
{"hour": 6, "minute": 2}
